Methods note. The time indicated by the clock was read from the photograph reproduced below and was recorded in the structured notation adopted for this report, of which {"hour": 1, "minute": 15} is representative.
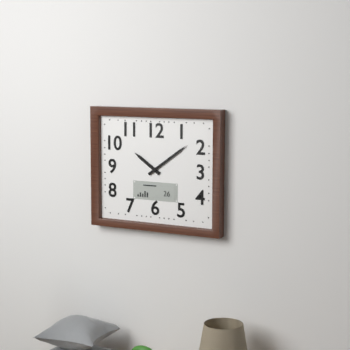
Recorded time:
{"hour": 10, "minute": 9}
